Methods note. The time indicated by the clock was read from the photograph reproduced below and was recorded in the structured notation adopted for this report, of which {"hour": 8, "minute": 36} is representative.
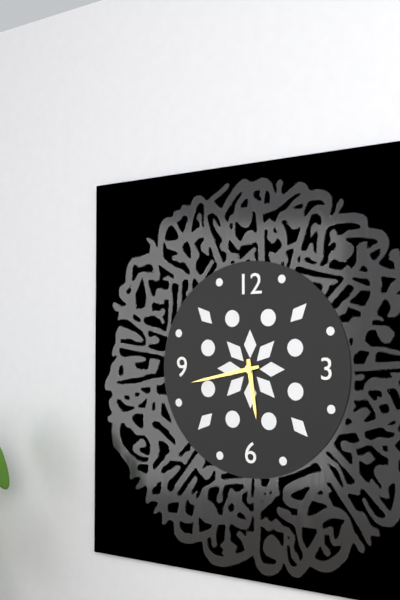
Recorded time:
{"hour": 5, "minute": 43}
